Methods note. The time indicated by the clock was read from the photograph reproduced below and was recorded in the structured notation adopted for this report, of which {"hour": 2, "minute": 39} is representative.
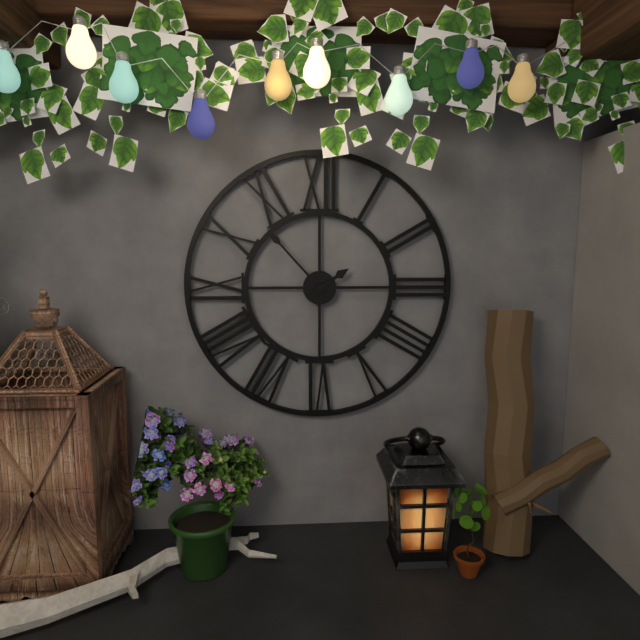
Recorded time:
{"hour": 1, "minute": 53}
